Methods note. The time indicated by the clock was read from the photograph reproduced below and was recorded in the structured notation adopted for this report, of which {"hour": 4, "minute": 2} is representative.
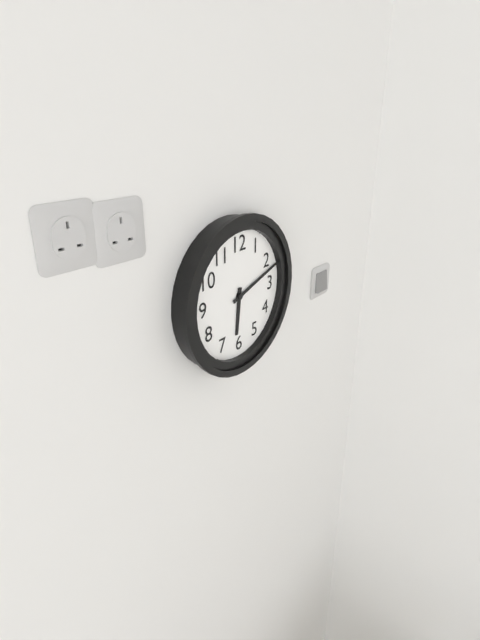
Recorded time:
{"hour": 6, "minute": 12}
